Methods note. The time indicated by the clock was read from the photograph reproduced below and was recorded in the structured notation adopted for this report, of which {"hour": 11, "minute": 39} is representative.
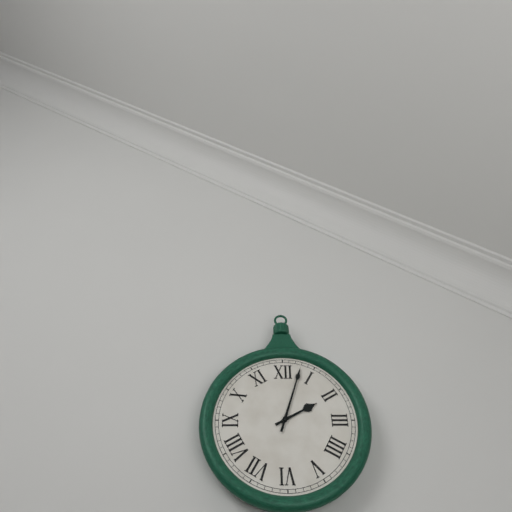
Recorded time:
{"hour": 2, "minute": 3}
